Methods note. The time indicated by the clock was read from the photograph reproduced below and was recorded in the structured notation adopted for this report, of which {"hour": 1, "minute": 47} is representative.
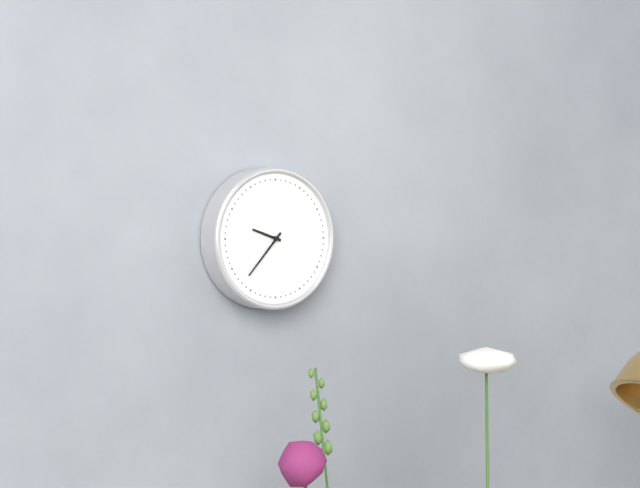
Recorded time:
{"hour": 9, "minute": 37}
